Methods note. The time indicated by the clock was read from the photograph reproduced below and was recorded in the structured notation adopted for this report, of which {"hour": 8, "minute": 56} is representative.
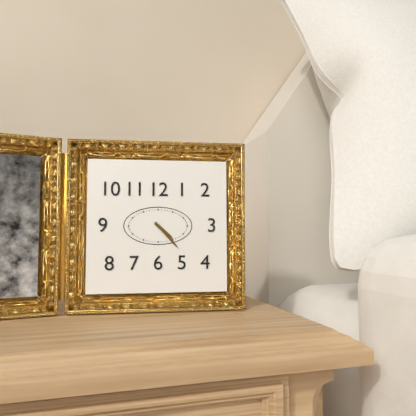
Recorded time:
{"hour": 4, "minute": 23}
